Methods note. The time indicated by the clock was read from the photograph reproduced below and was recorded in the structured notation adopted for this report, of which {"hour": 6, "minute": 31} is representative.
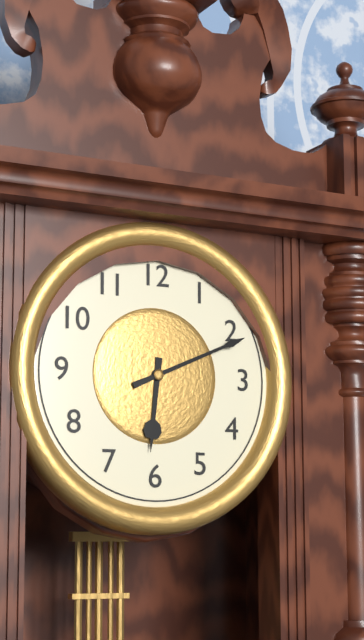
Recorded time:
{"hour": 6, "minute": 11}
